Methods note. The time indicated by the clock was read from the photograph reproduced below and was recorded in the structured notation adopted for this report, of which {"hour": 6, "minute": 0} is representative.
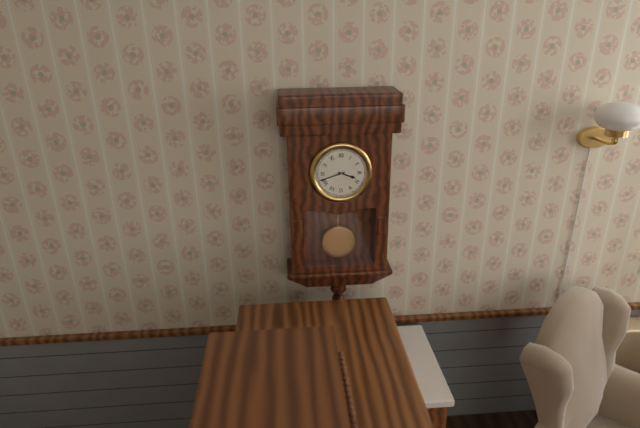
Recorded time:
{"hour": 3, "minute": 42}
